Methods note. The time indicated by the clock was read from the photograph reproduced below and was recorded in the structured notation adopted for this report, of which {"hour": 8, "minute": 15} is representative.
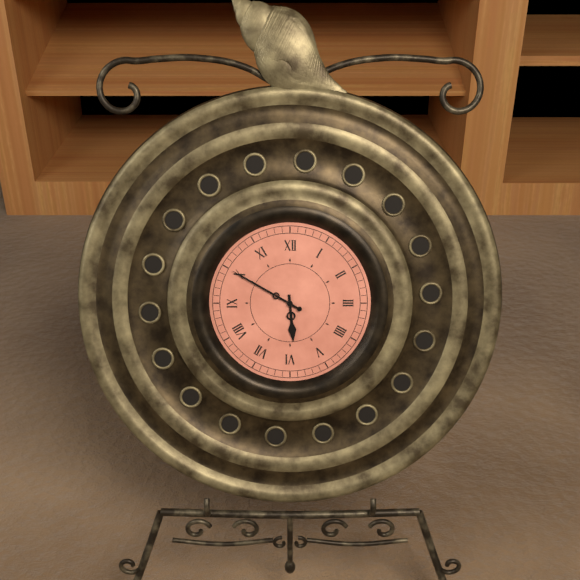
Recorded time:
{"hour": 5, "minute": 50}
